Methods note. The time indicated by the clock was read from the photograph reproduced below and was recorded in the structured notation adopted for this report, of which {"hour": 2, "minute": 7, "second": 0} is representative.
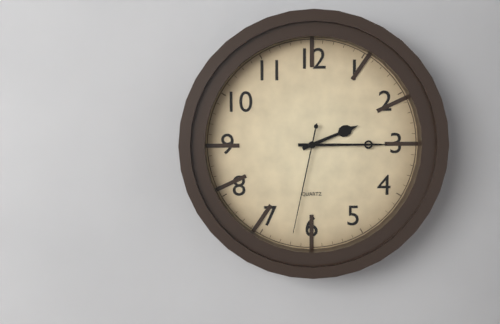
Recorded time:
{"hour": 2, "minute": 15, "second": 32}
